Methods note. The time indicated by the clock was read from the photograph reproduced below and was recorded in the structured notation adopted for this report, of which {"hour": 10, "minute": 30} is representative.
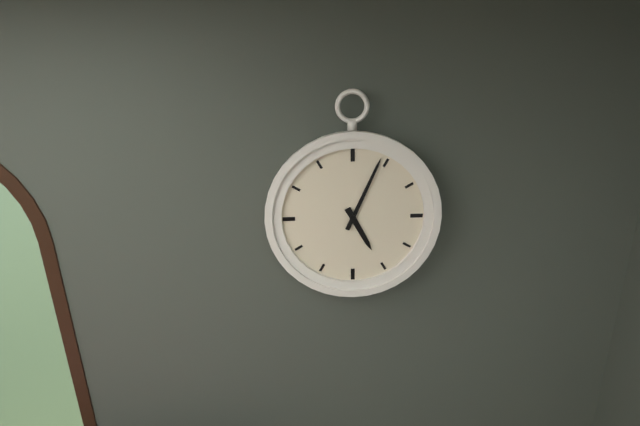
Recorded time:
{"hour": 5, "minute": 4}
